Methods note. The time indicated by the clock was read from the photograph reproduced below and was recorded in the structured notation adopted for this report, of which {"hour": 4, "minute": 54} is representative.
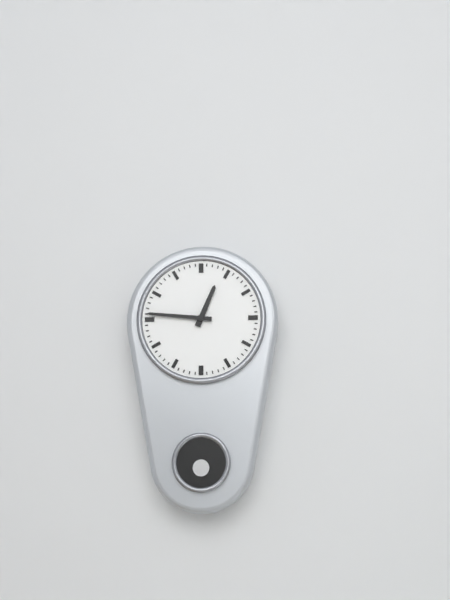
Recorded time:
{"hour": 12, "minute": 46}
